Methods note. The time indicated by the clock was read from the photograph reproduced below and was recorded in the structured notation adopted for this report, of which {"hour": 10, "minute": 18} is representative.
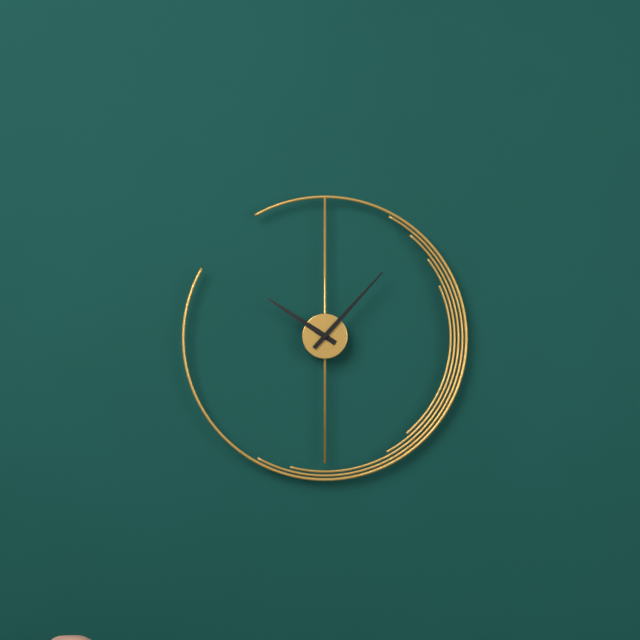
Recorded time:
{"hour": 10, "minute": 7}
